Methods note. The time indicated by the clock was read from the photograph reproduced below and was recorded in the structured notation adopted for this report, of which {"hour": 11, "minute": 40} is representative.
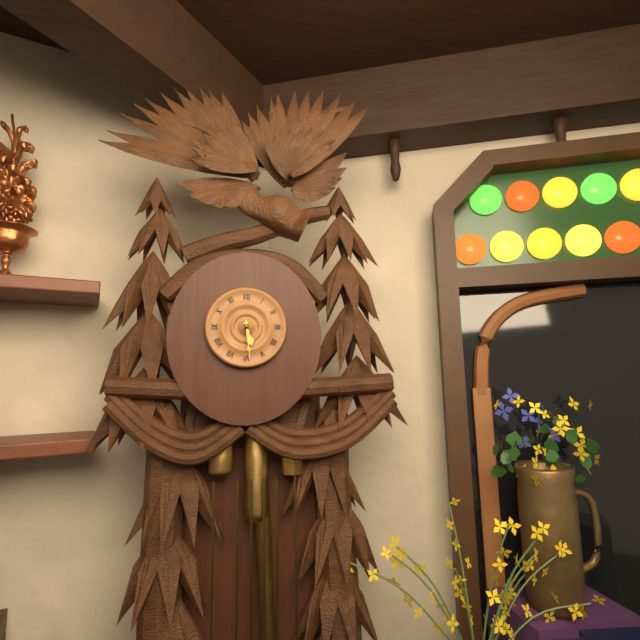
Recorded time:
{"hour": 5, "minute": 29}
